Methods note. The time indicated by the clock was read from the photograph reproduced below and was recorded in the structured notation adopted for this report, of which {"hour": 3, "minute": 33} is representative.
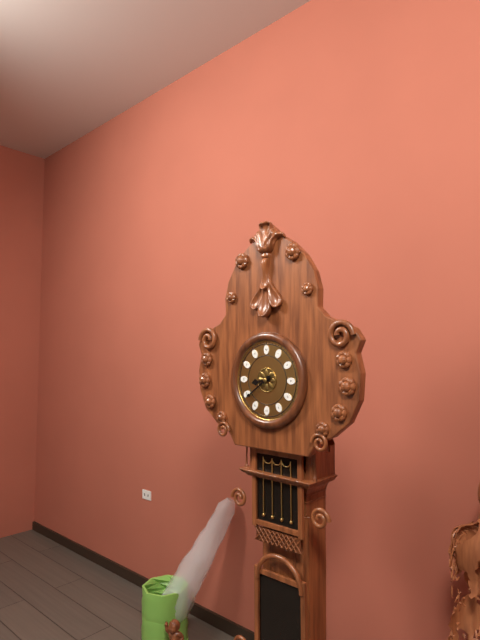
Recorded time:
{"hour": 8, "minute": 39}
